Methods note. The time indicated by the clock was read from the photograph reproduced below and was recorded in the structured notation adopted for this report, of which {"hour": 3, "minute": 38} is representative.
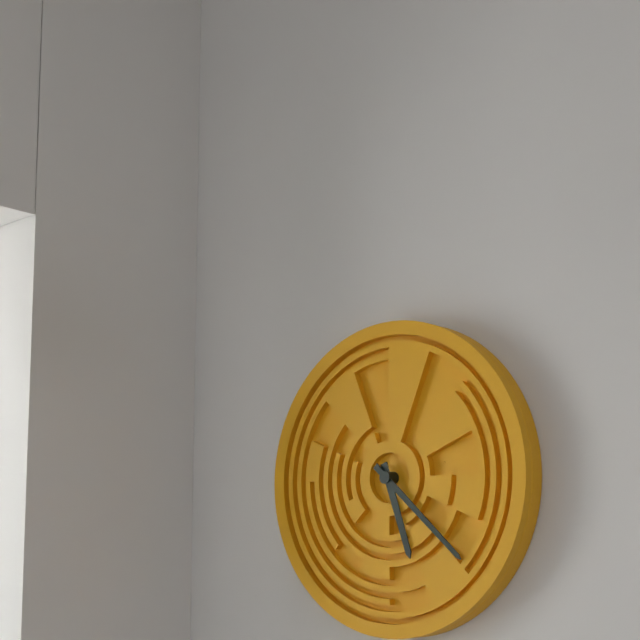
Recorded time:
{"hour": 5, "minute": 22}
